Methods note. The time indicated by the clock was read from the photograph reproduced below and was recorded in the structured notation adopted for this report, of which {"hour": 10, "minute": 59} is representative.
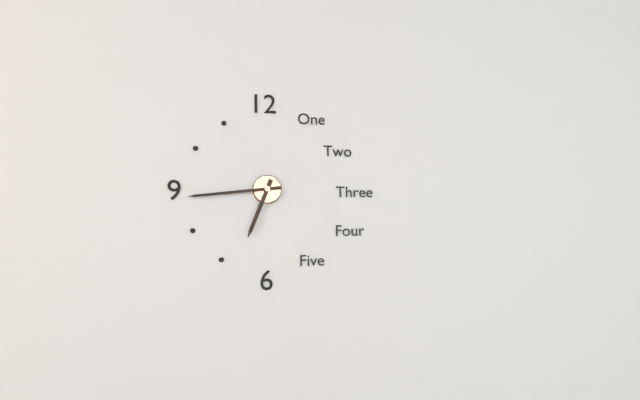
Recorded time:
{"hour": 6, "minute": 44}
